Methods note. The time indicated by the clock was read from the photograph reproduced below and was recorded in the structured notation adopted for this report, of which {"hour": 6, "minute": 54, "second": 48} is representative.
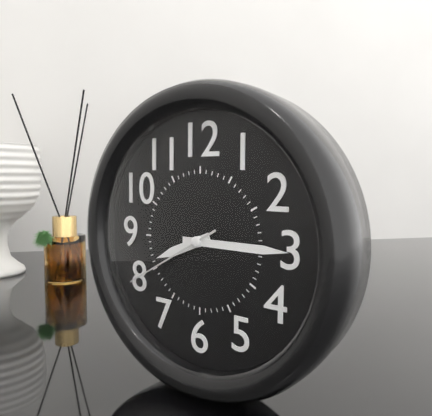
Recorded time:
{"hour": 8, "minute": 15, "second": 40}
